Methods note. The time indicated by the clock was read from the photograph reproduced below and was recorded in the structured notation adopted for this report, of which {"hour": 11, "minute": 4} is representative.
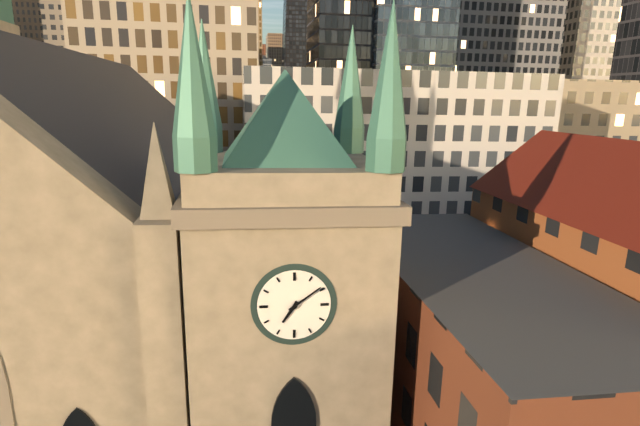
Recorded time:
{"hour": 7, "minute": 9}
